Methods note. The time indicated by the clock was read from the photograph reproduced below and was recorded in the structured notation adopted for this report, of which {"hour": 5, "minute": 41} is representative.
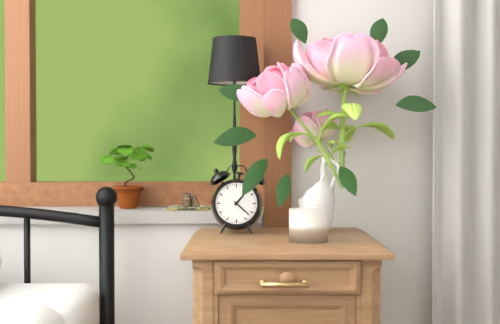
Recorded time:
{"hour": 1, "minute": 22}
